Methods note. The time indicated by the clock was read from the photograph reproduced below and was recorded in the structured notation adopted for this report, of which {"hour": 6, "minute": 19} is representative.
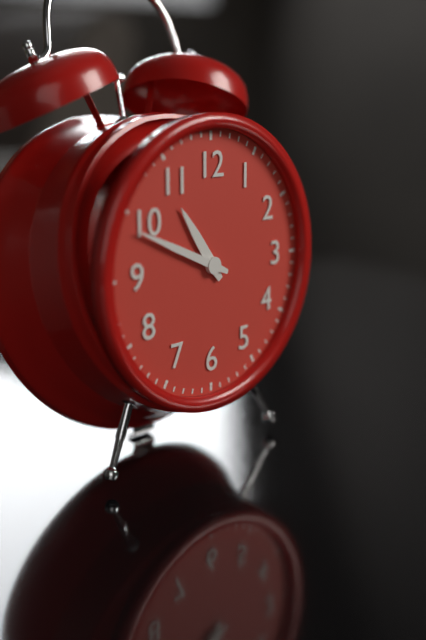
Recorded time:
{"hour": 10, "minute": 49}
